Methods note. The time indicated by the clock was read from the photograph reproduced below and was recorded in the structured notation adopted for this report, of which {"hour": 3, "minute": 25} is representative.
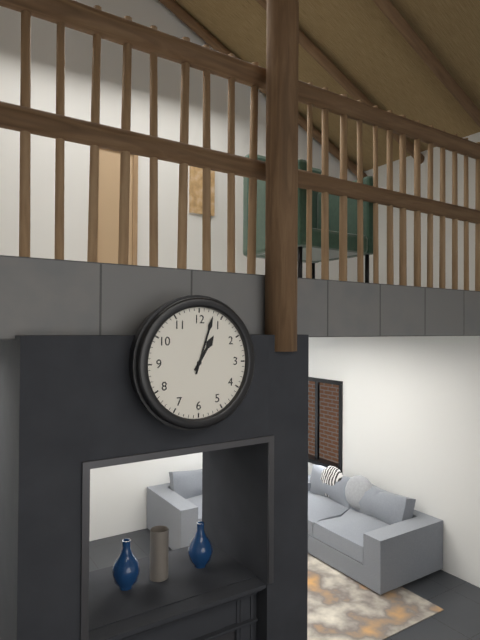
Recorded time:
{"hour": 1, "minute": 3}
